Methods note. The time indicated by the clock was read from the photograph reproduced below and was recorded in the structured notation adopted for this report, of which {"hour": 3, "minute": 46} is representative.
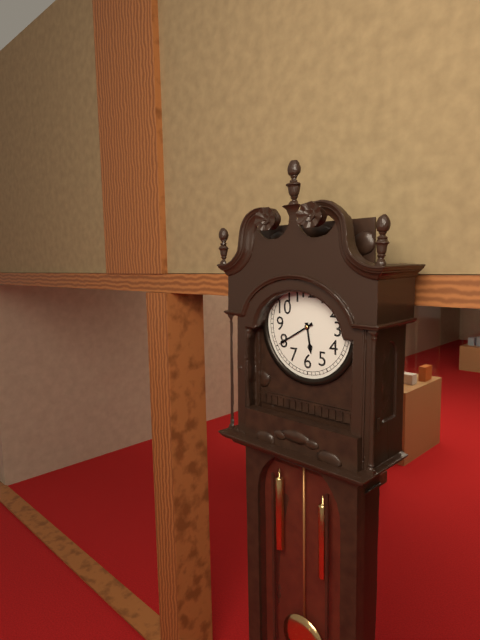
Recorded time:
{"hour": 5, "minute": 40}
